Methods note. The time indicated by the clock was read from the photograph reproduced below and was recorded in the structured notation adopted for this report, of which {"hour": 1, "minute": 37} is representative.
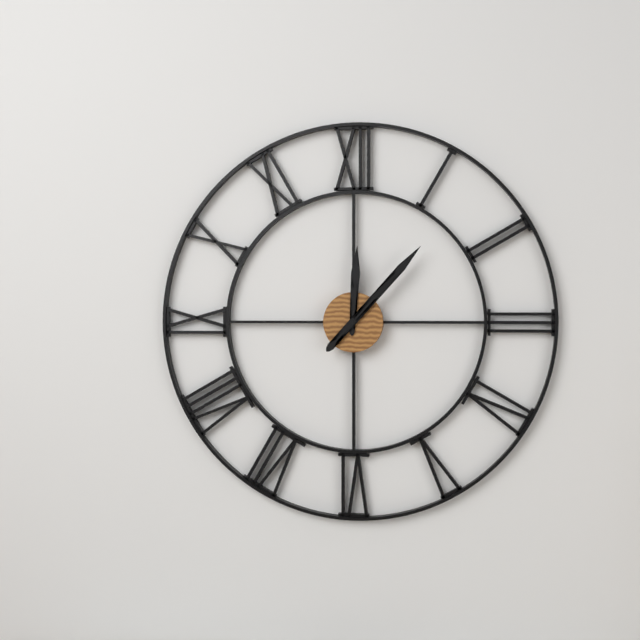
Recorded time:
{"hour": 12, "minute": 7}
